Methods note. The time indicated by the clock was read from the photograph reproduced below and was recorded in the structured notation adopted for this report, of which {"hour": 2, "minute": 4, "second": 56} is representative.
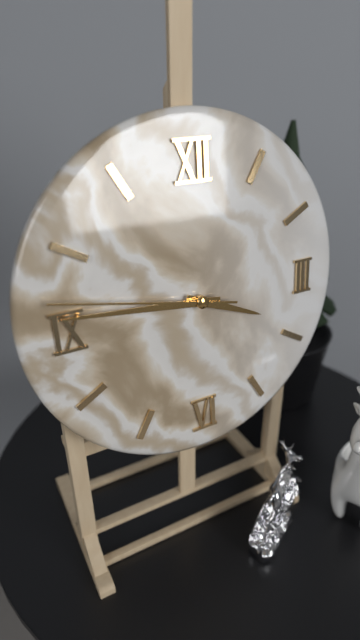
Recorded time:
{"hour": 3, "minute": 46, "second": 47}
